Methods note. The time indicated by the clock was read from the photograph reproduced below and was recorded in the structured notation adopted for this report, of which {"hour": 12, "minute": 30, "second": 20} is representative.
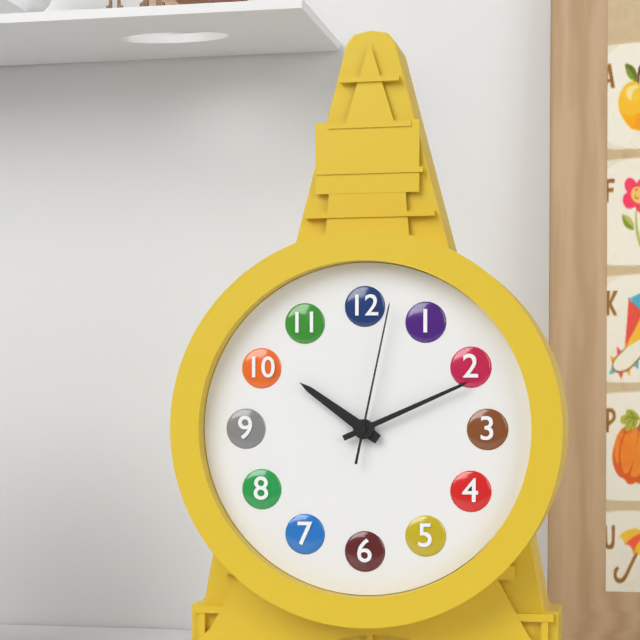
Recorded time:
{"hour": 10, "minute": 11, "second": 2}
